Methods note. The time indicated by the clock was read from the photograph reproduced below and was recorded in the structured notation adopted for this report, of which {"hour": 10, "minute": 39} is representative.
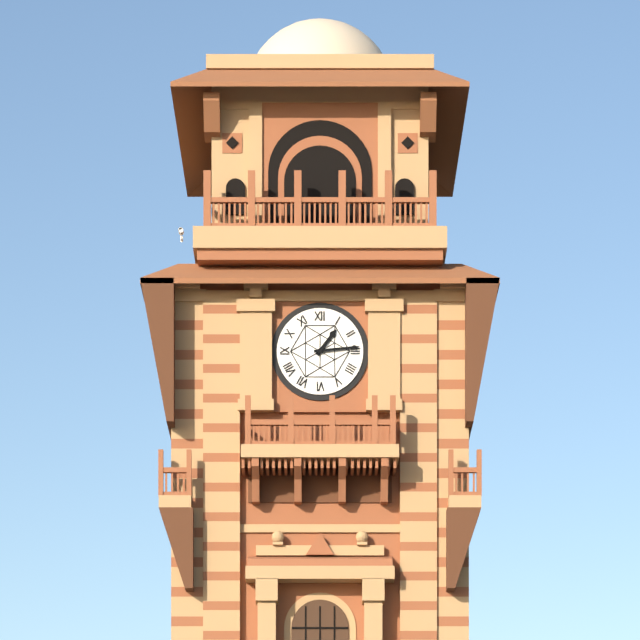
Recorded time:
{"hour": 1, "minute": 14}
